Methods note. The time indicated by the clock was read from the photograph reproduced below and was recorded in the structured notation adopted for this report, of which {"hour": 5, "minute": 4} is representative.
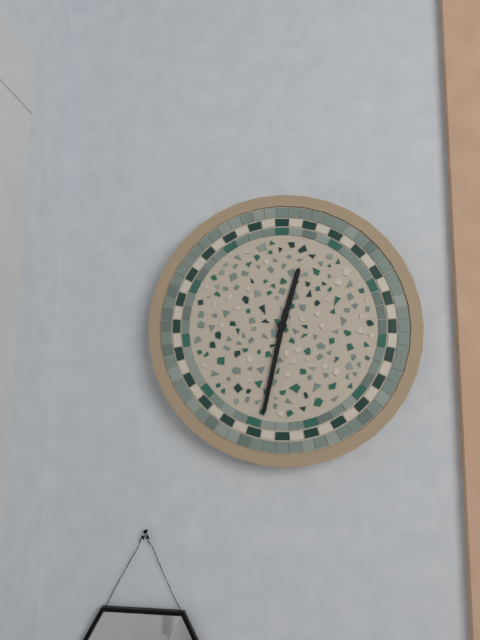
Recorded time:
{"hour": 12, "minute": 32}
